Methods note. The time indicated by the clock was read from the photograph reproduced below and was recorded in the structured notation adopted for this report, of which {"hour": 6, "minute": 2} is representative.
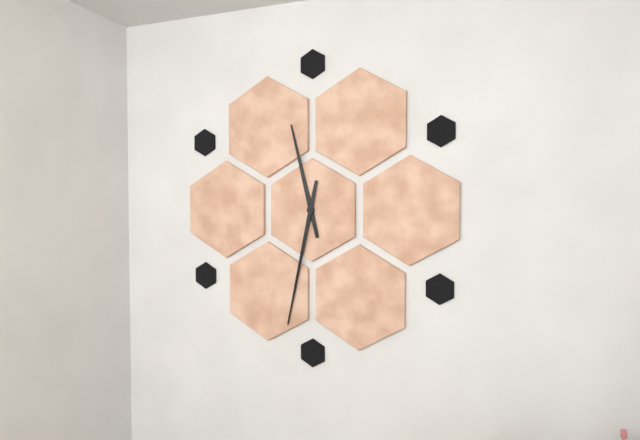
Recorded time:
{"hour": 11, "minute": 32}
